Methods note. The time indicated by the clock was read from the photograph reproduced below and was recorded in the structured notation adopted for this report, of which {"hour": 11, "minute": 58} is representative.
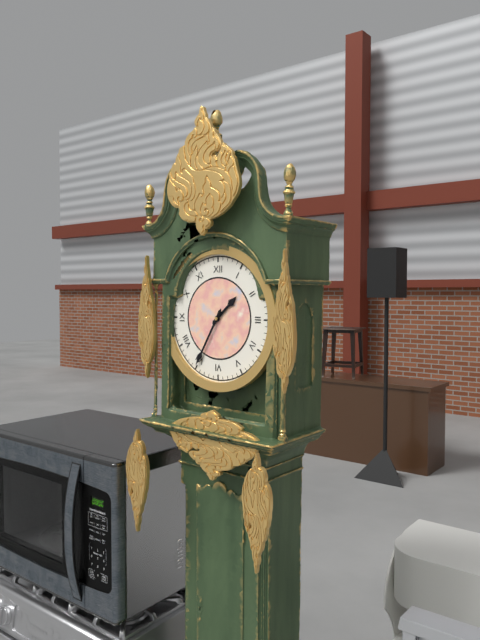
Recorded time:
{"hour": 1, "minute": 35}
